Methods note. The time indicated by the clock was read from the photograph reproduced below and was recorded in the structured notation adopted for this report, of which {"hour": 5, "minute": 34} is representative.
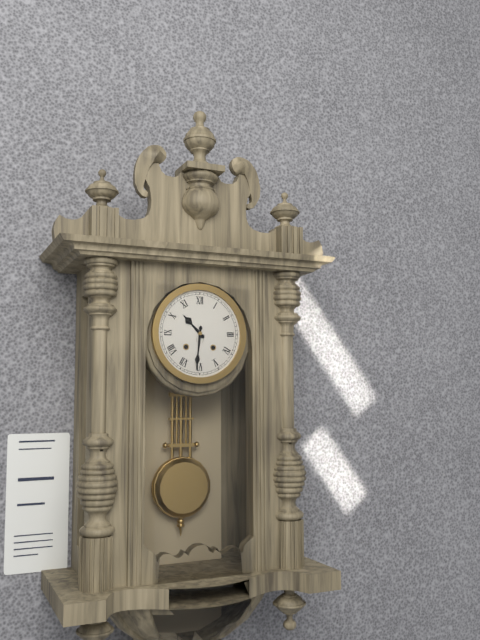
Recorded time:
{"hour": 10, "minute": 31}
